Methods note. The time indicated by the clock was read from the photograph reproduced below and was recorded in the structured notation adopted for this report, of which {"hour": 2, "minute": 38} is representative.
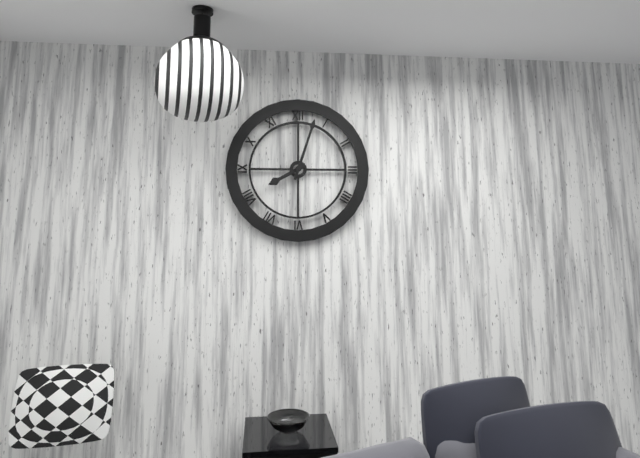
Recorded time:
{"hour": 8, "minute": 3}
